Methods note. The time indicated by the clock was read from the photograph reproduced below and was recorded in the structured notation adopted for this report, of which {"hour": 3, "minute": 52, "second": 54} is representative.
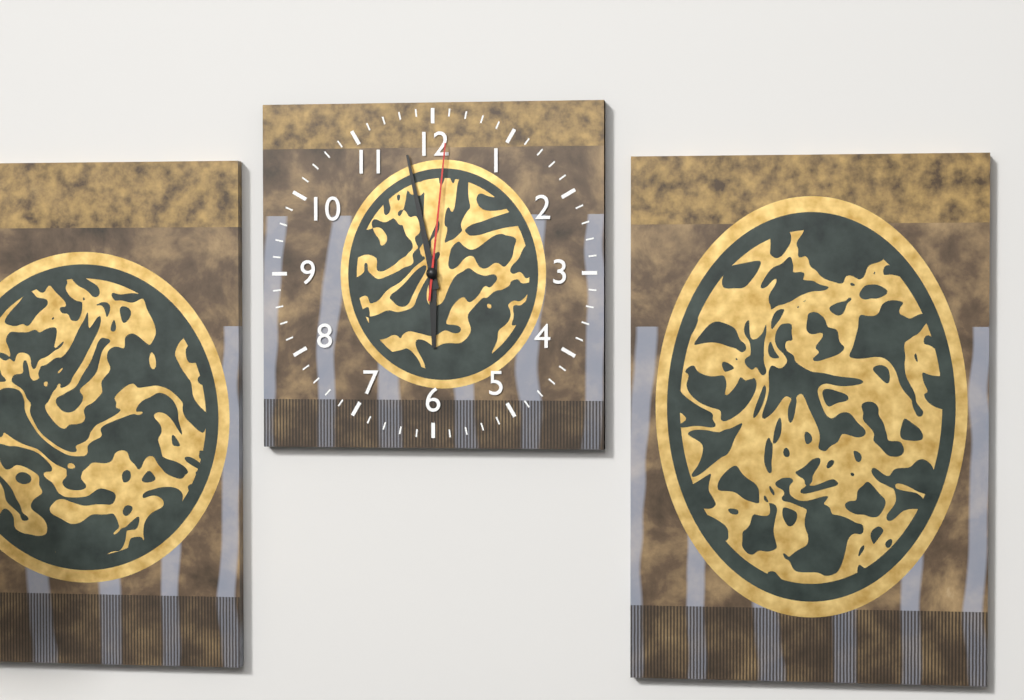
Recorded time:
{"hour": 5, "minute": 58, "second": 1}
